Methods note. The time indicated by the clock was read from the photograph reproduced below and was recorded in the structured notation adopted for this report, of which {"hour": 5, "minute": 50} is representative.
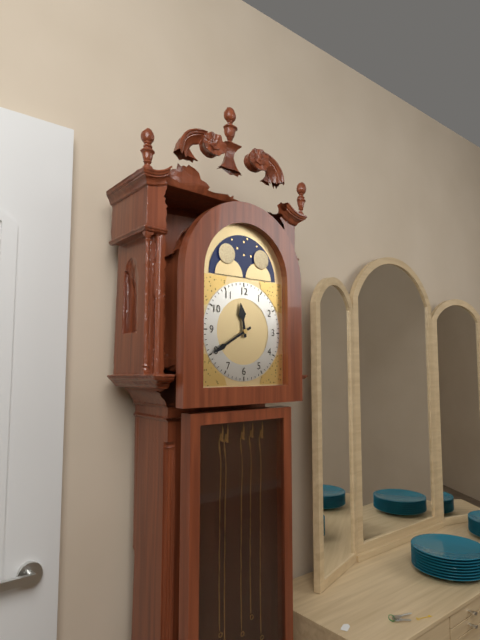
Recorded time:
{"hour": 11, "minute": 40}
